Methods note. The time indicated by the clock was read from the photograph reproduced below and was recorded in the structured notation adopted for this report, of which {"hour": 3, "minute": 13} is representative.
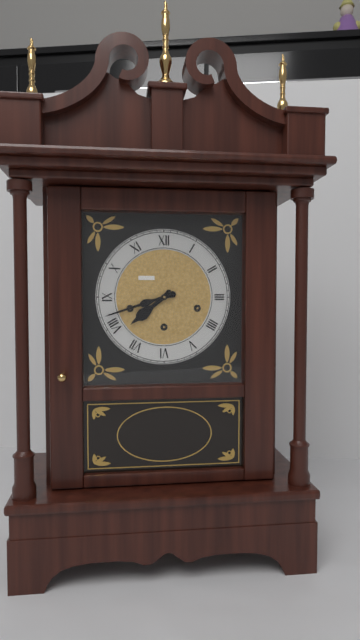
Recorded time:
{"hour": 7, "minute": 42}
